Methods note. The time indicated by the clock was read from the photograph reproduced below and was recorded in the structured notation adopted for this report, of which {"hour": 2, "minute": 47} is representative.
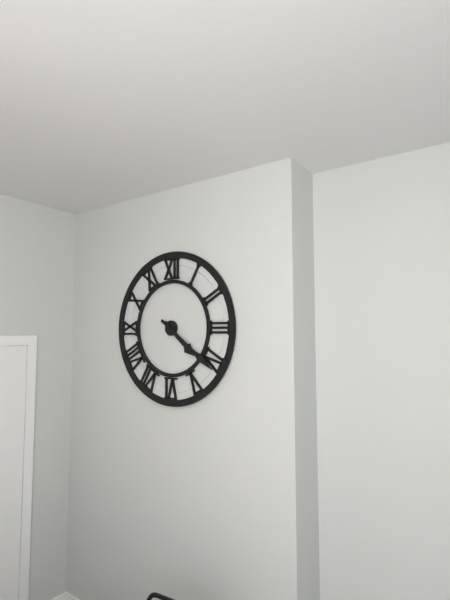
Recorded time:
{"hour": 4, "minute": 21}
